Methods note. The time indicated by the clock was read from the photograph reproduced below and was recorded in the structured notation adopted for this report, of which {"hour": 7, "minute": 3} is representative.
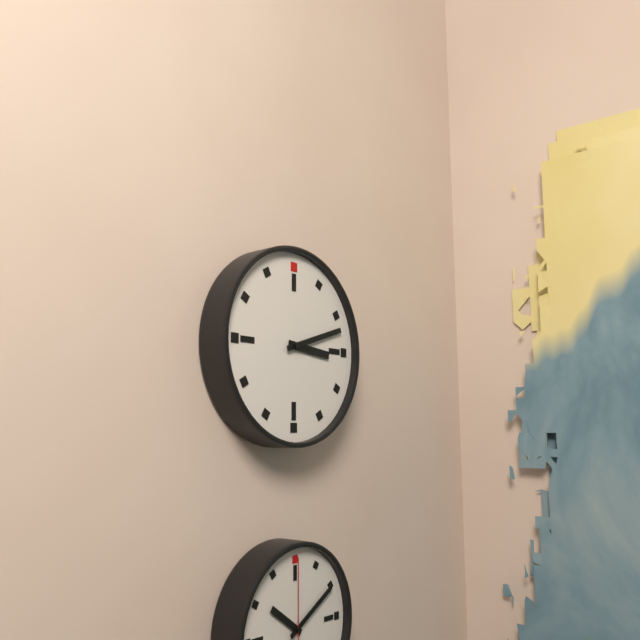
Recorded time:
{"hour": 3, "minute": 12}
